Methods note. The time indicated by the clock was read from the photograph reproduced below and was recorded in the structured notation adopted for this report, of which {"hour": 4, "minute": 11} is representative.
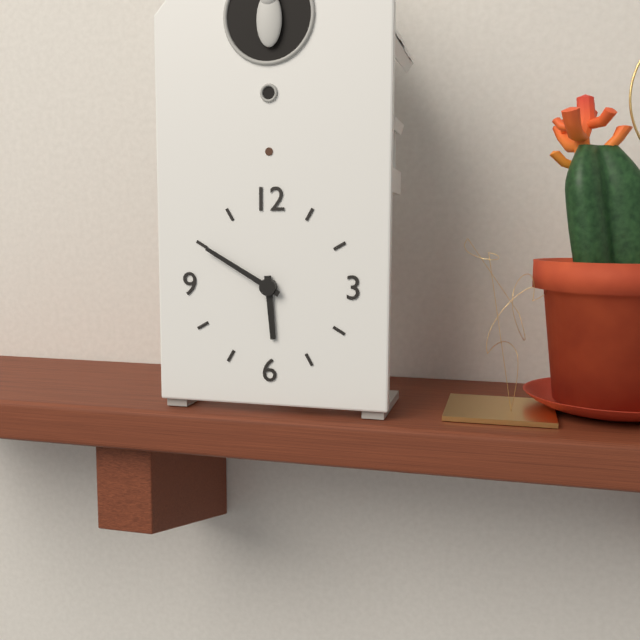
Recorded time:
{"hour": 5, "minute": 50}
